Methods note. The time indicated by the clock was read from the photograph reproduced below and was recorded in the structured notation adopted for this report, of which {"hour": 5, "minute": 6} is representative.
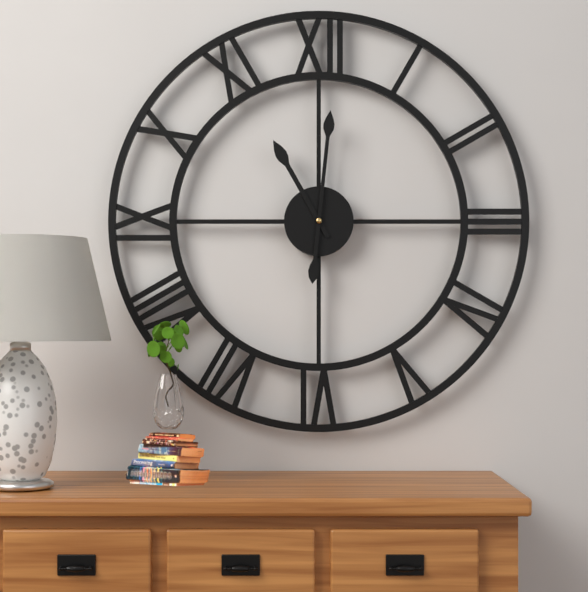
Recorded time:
{"hour": 11, "minute": 1}
